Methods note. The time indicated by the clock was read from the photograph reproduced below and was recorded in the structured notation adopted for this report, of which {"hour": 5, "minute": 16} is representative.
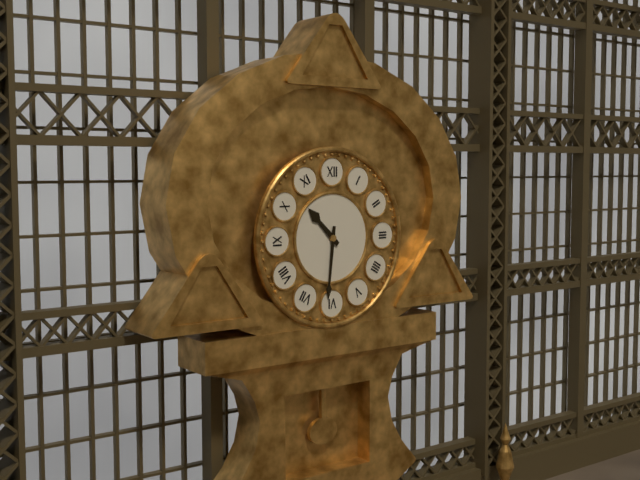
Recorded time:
{"hour": 10, "minute": 31}
